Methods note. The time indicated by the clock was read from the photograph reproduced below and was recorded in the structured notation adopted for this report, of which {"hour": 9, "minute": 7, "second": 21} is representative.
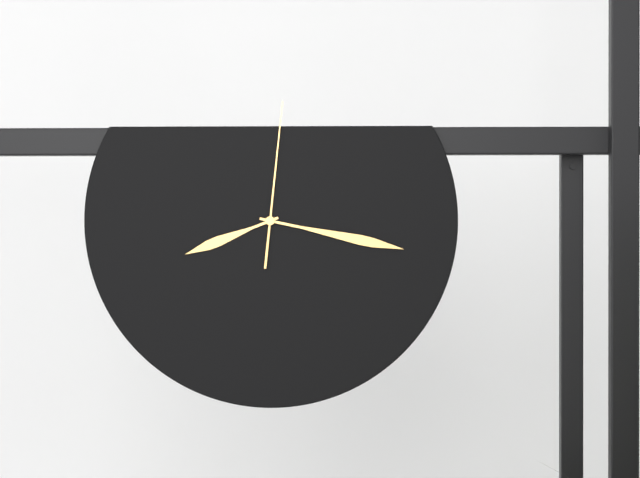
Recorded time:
{"hour": 8, "minute": 17, "second": 1}
